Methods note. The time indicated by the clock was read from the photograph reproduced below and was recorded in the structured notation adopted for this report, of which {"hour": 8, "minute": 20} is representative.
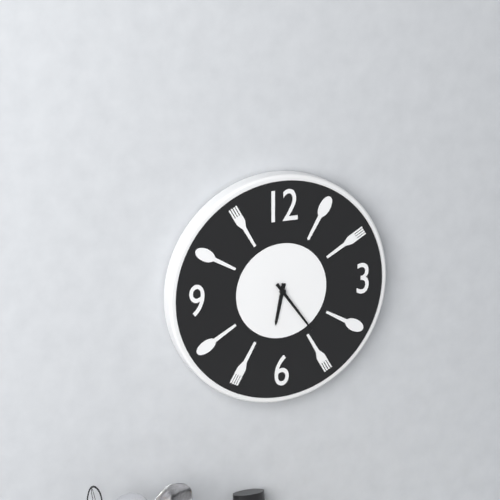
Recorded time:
{"hour": 6, "minute": 24}
